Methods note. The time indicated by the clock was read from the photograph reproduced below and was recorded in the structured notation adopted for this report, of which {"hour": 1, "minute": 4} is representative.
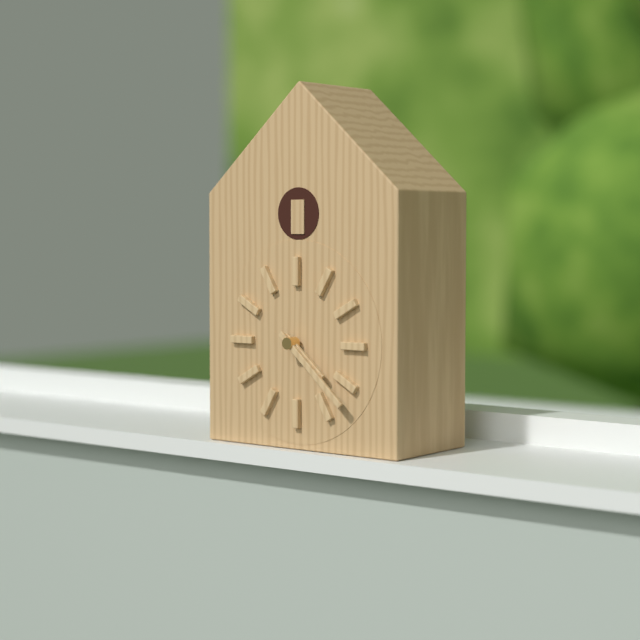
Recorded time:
{"hour": 4, "minute": 22}
